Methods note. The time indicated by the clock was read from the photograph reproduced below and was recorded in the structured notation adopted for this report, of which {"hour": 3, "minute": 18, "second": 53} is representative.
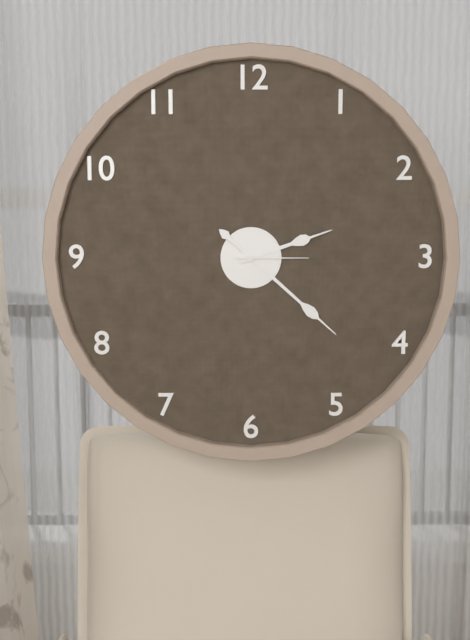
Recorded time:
{"hour": 2, "minute": 22, "second": 15}
